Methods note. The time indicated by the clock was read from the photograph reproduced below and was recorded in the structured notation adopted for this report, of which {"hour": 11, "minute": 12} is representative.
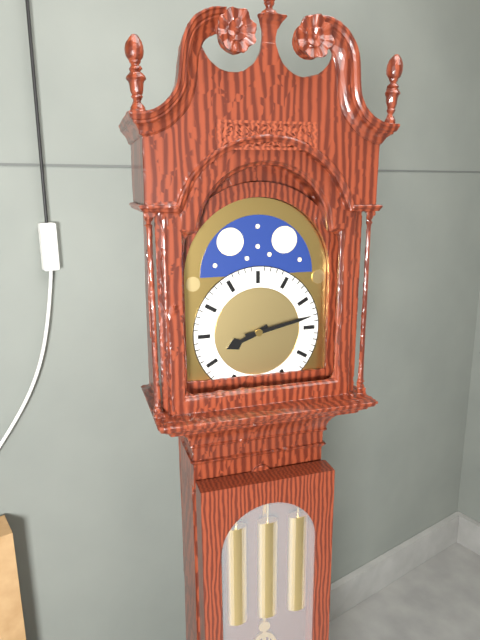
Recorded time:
{"hour": 8, "minute": 13}
